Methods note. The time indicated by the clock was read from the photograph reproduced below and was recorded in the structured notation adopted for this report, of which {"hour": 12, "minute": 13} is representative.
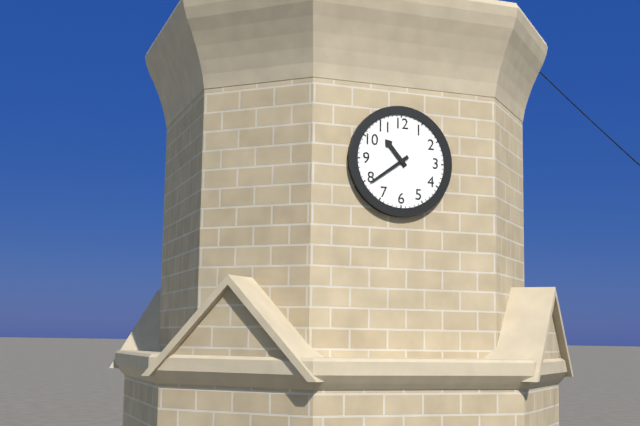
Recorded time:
{"hour": 10, "minute": 39}
